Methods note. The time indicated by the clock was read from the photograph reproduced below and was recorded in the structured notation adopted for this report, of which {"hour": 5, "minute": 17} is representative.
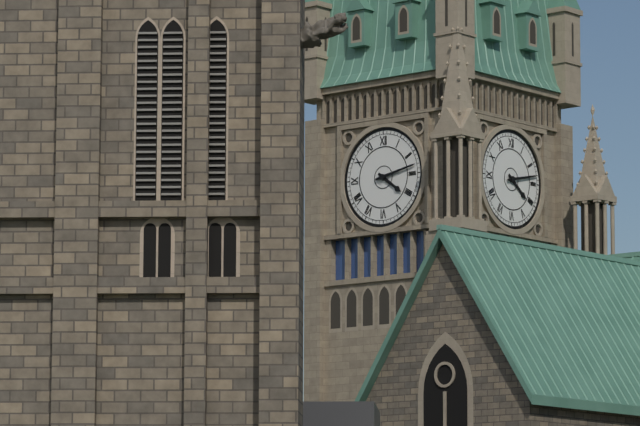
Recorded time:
{"hour": 4, "minute": 13}
